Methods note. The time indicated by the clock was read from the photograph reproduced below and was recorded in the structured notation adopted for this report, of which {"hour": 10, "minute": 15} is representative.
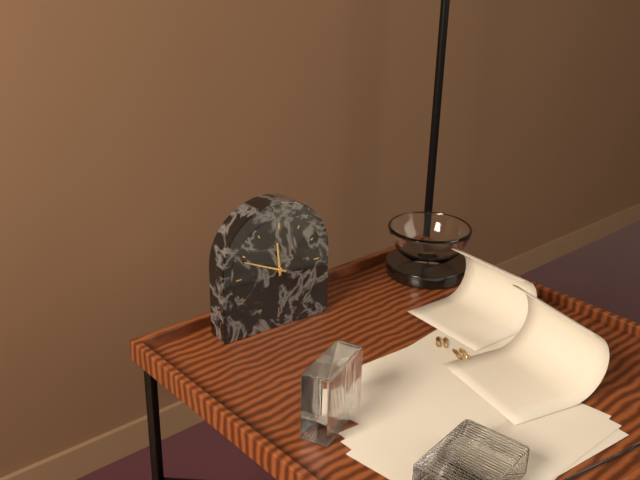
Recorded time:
{"hour": 11, "minute": 49}
